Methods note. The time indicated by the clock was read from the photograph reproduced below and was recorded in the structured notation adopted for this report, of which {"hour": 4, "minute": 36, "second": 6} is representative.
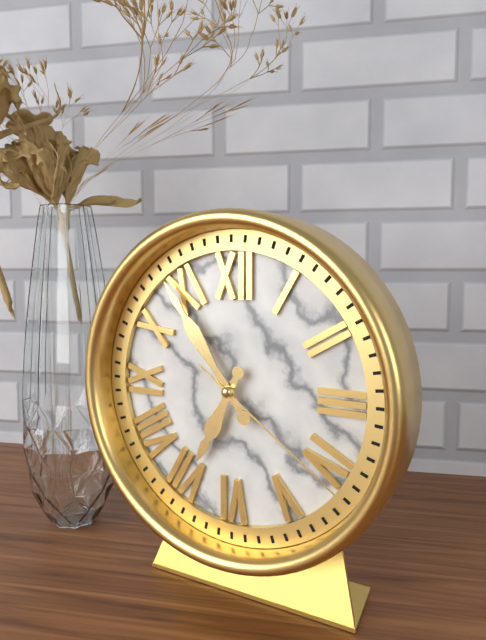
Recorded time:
{"hour": 6, "minute": 54, "second": 21}
